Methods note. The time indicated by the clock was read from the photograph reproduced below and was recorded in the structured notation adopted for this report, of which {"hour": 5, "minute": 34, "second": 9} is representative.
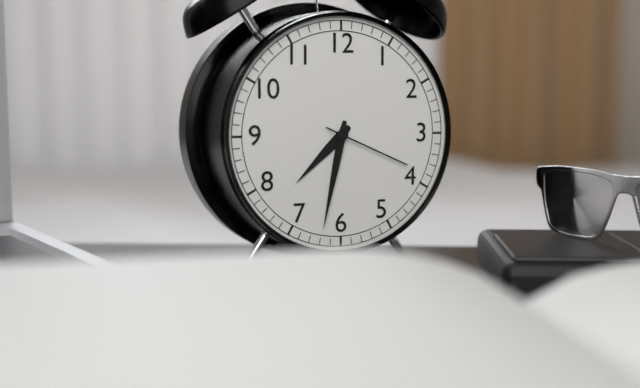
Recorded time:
{"hour": 7, "minute": 32, "second": 19}
